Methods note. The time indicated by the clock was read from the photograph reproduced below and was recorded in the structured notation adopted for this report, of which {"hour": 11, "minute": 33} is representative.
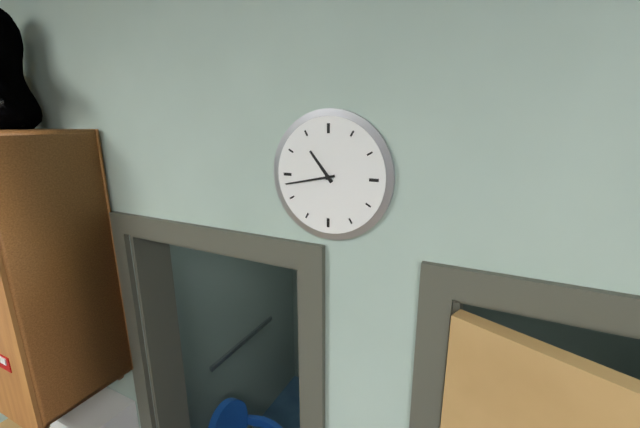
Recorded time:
{"hour": 10, "minute": 43}
